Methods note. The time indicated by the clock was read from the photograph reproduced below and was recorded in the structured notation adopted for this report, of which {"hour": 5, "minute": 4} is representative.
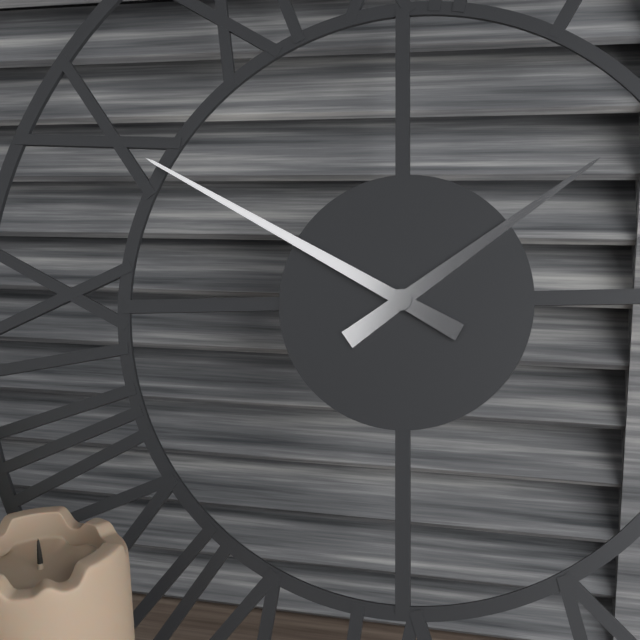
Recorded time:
{"hour": 1, "minute": 50}
